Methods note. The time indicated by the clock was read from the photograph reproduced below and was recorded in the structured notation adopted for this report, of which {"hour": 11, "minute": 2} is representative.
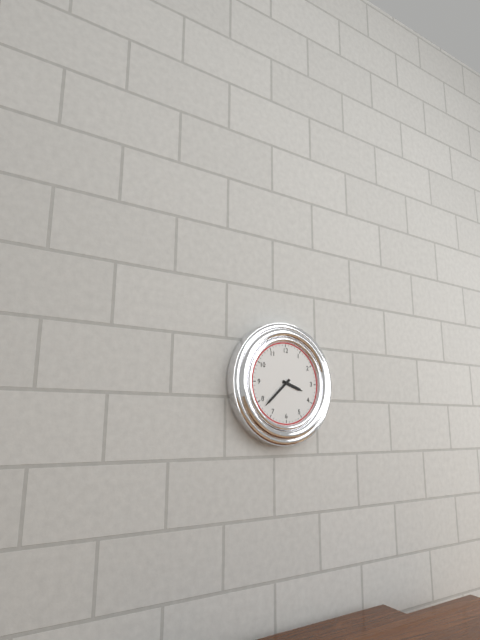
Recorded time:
{"hour": 3, "minute": 38}
